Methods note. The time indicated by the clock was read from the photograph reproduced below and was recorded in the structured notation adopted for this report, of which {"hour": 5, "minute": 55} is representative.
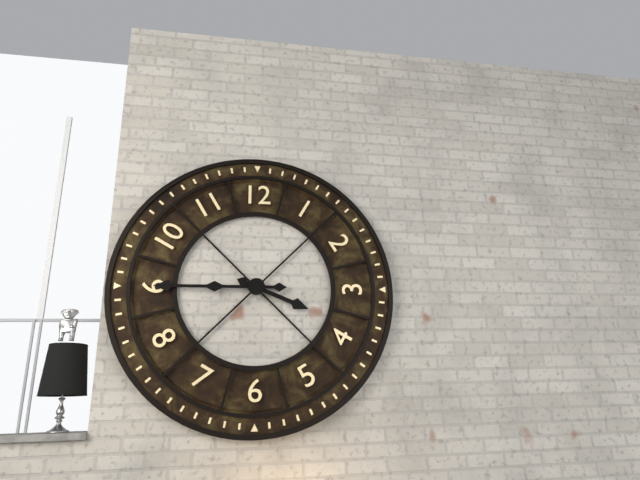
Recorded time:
{"hour": 3, "minute": 45}
